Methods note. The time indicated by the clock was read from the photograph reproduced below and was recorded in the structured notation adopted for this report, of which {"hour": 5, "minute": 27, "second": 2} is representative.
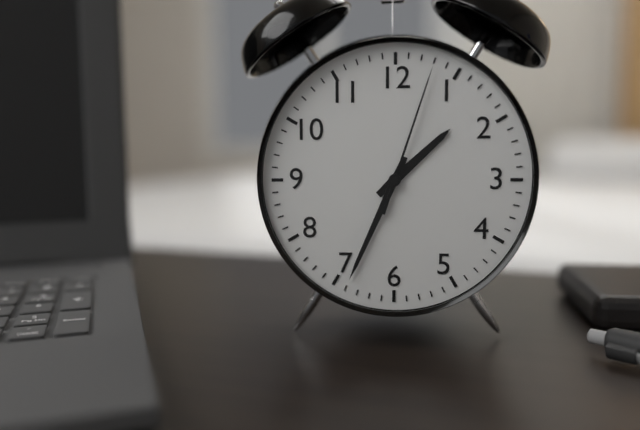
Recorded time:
{"hour": 1, "minute": 34, "second": 3}
